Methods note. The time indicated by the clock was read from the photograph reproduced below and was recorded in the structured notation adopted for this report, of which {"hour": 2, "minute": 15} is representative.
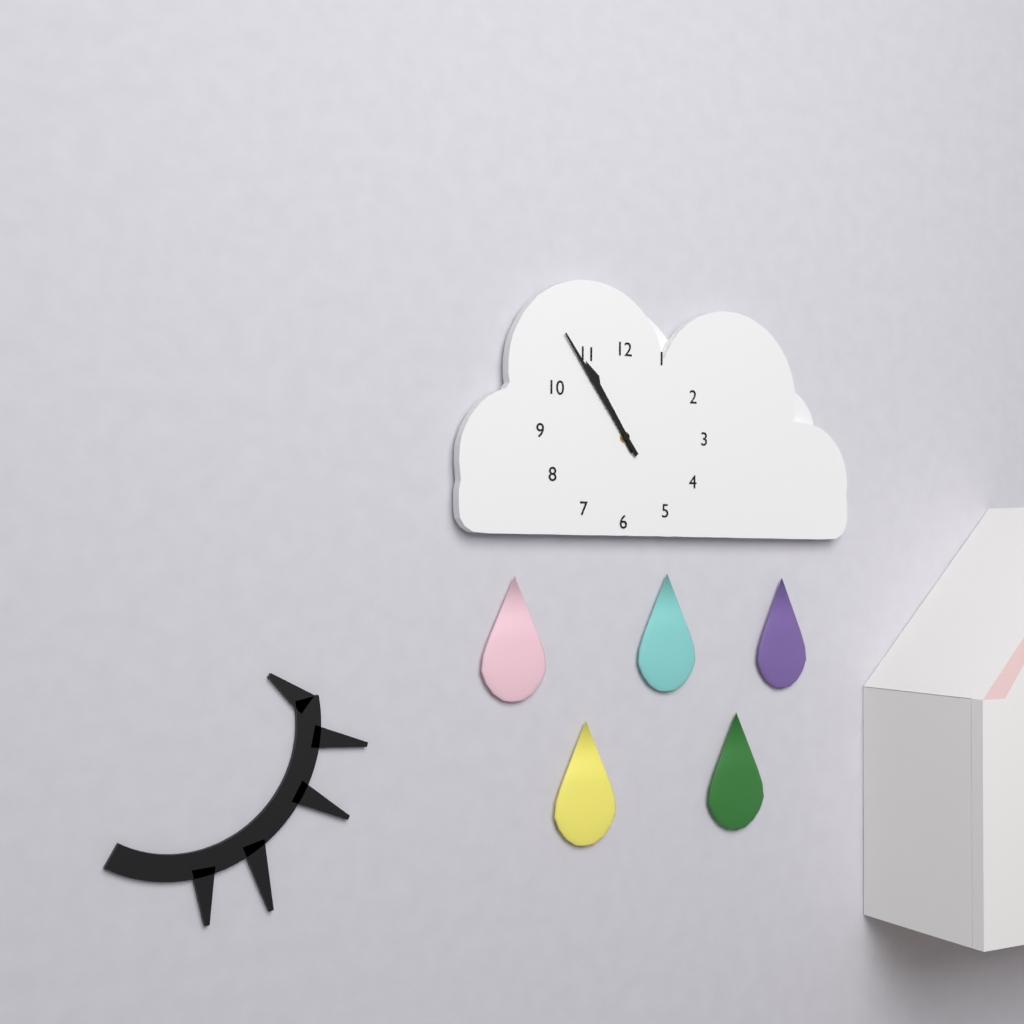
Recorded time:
{"hour": 10, "minute": 54}
